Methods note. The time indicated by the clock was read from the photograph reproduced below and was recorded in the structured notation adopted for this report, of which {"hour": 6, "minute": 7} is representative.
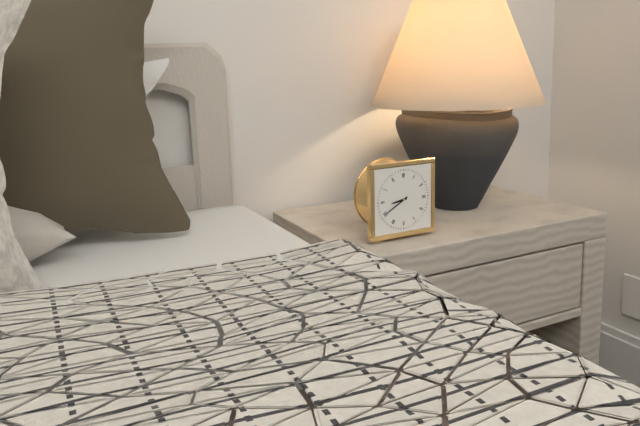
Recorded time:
{"hour": 8, "minute": 40}
